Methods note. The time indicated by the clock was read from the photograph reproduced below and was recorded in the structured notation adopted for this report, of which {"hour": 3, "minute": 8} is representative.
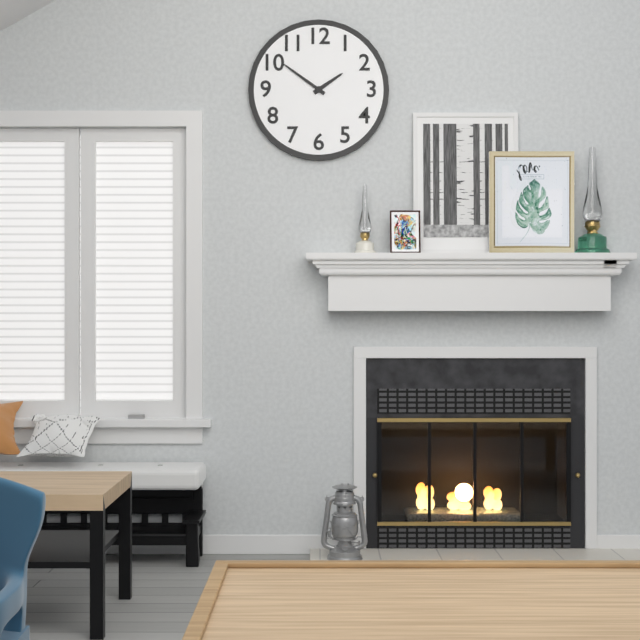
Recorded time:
{"hour": 1, "minute": 51}
